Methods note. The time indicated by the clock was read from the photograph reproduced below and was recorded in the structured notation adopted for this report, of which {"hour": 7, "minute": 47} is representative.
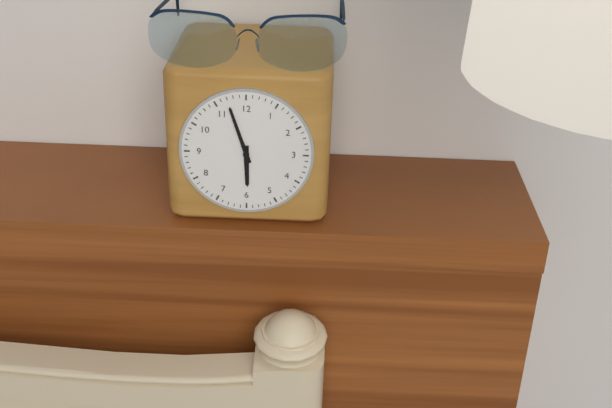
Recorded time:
{"hour": 5, "minute": 57}
